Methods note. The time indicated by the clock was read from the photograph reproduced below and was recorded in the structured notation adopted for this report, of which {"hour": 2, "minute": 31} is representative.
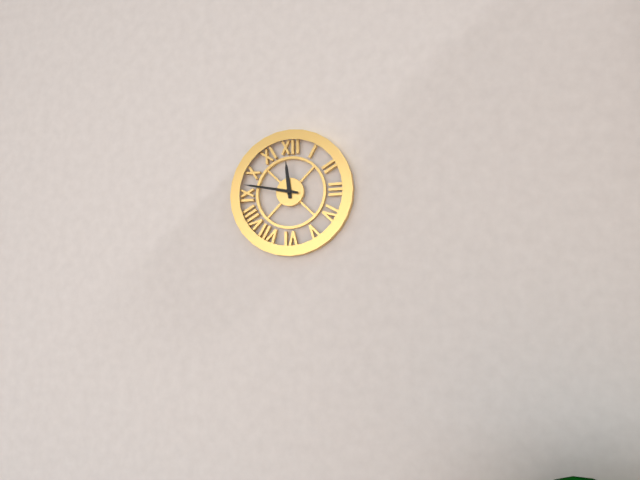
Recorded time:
{"hour": 11, "minute": 47}
